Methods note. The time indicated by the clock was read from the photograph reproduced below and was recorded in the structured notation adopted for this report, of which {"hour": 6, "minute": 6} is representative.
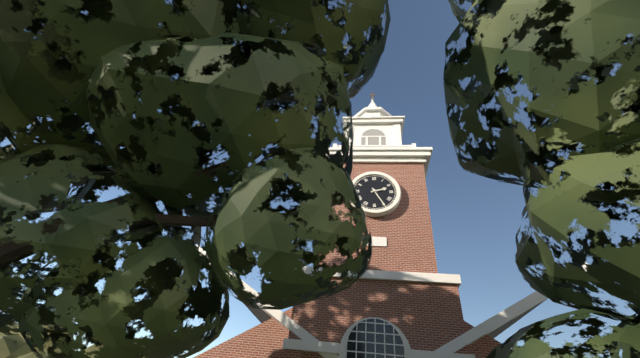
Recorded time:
{"hour": 2, "minute": 25}
